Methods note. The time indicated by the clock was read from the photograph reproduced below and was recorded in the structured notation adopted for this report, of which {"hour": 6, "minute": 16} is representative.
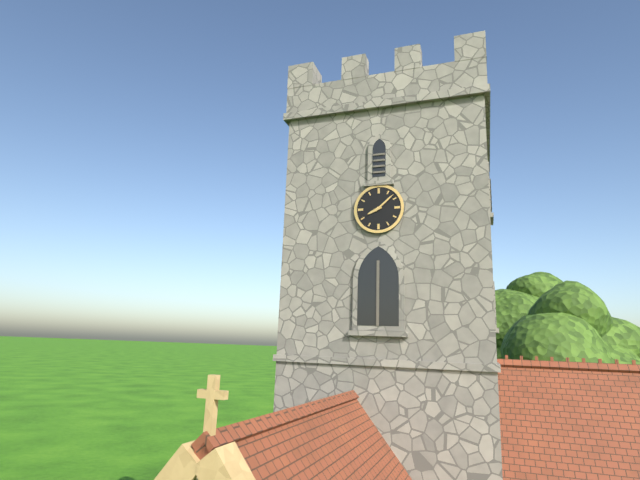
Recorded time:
{"hour": 8, "minute": 8}
